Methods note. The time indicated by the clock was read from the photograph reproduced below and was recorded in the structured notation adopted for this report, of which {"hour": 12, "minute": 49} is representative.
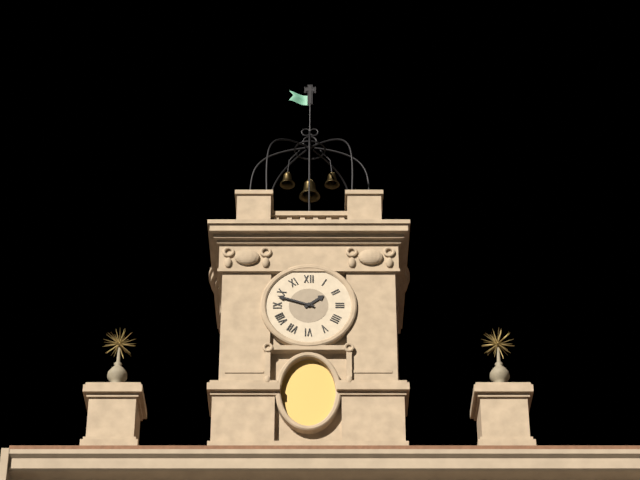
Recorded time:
{"hour": 1, "minute": 48}
